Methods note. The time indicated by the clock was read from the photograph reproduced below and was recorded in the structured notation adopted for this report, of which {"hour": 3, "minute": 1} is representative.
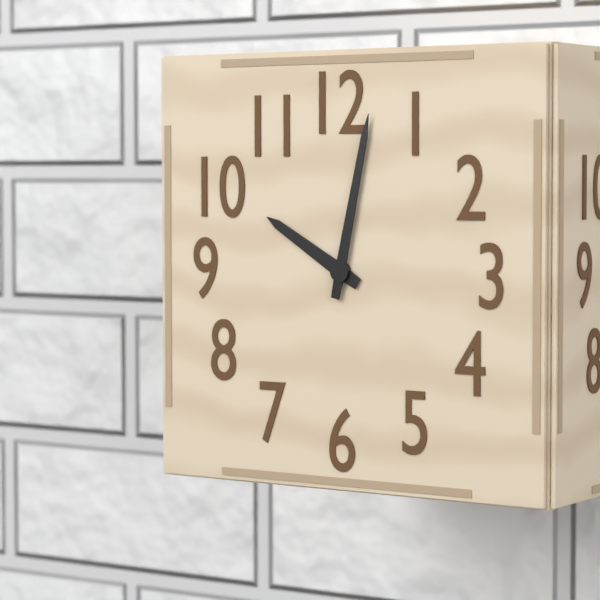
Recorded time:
{"hour": 10, "minute": 2}
